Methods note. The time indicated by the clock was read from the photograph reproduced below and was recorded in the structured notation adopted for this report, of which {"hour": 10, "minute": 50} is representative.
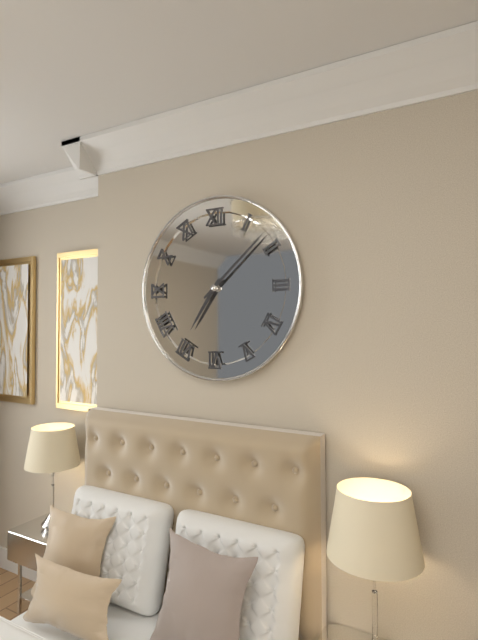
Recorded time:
{"hour": 7, "minute": 8}
